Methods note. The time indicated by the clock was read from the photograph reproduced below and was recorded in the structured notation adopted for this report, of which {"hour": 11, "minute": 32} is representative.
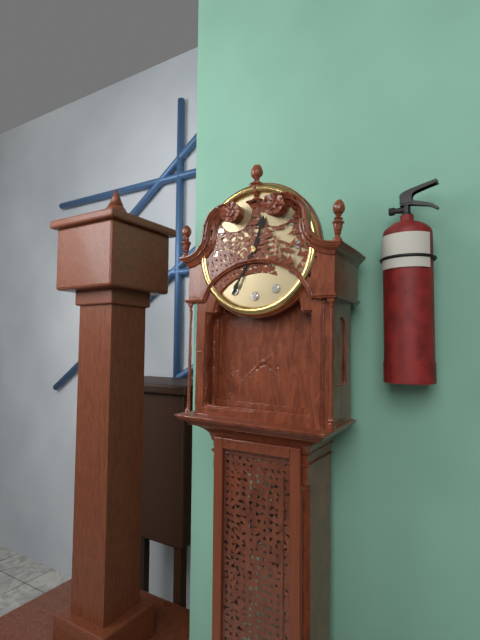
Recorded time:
{"hour": 12, "minute": 35}
